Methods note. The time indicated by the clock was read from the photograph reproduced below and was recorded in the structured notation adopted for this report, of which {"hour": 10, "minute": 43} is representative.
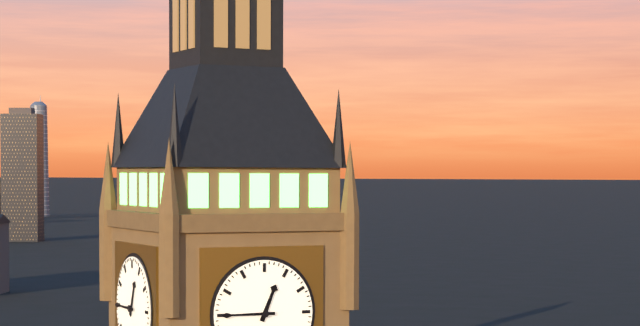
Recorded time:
{"hour": 12, "minute": 45}
